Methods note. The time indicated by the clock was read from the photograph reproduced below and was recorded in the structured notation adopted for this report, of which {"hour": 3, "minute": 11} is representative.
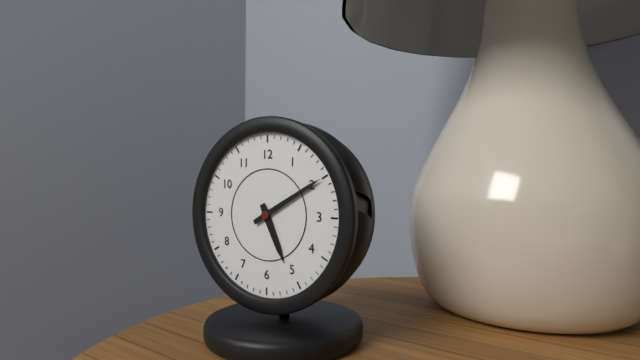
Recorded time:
{"hour": 5, "minute": 10}
